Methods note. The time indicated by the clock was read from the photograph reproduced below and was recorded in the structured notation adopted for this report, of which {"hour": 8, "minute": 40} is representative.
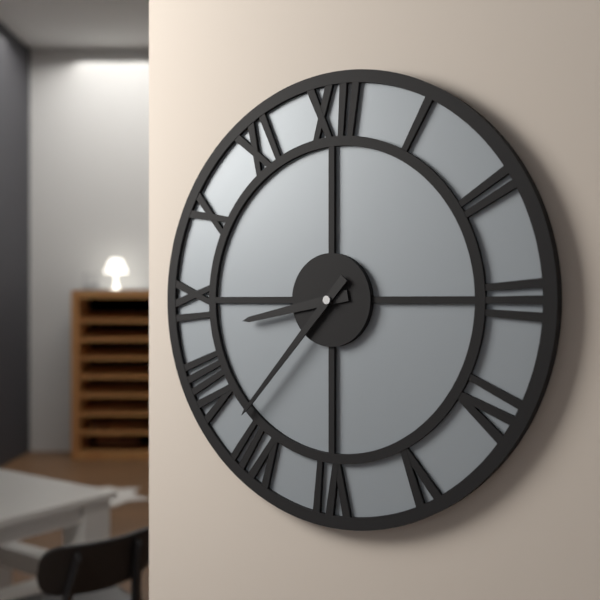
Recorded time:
{"hour": 8, "minute": 37}
